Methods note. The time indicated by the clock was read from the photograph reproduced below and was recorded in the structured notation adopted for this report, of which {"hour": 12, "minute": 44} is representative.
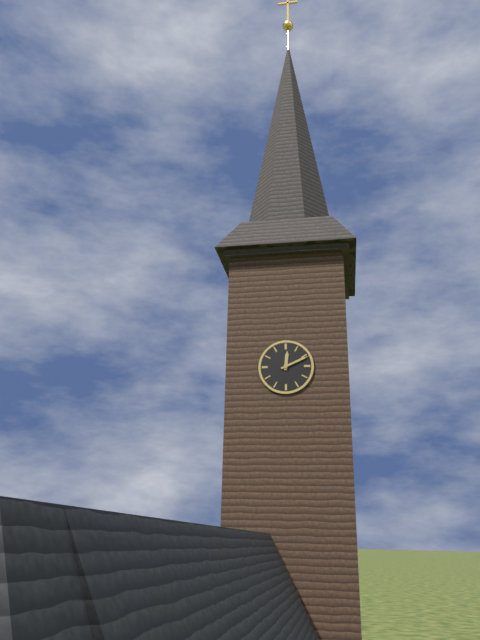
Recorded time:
{"hour": 12, "minute": 11}
